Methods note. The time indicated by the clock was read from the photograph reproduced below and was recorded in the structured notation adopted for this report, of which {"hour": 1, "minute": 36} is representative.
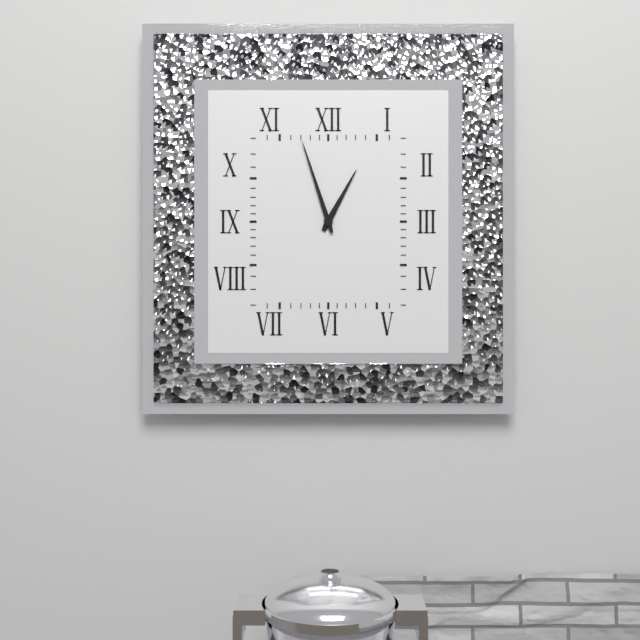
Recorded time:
{"hour": 12, "minute": 57}
